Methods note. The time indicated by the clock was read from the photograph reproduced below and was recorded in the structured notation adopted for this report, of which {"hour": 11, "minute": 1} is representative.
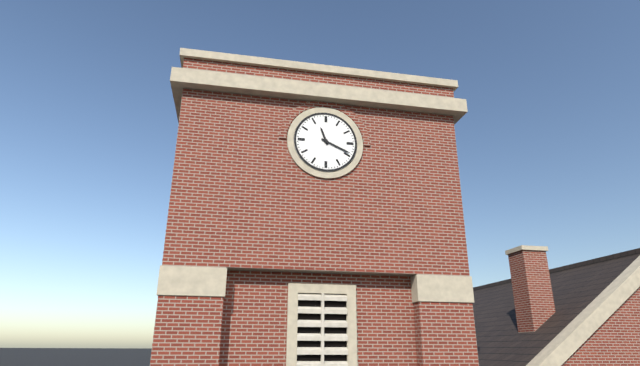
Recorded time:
{"hour": 11, "minute": 19}
